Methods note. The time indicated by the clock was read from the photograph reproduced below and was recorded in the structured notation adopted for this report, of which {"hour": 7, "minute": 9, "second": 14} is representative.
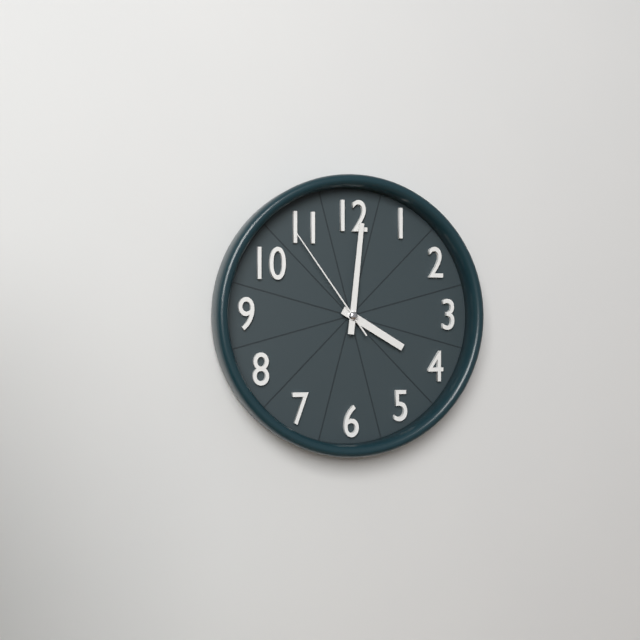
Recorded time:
{"hour": 4, "minute": 1, "second": 54}
